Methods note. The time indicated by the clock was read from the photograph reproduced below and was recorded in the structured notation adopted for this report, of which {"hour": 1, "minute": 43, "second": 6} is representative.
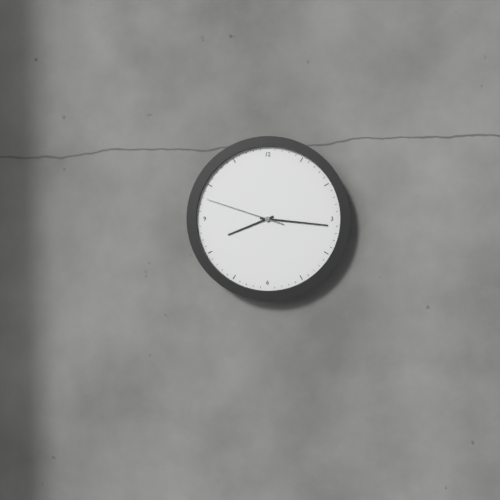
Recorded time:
{"hour": 8, "minute": 16, "second": 48}
